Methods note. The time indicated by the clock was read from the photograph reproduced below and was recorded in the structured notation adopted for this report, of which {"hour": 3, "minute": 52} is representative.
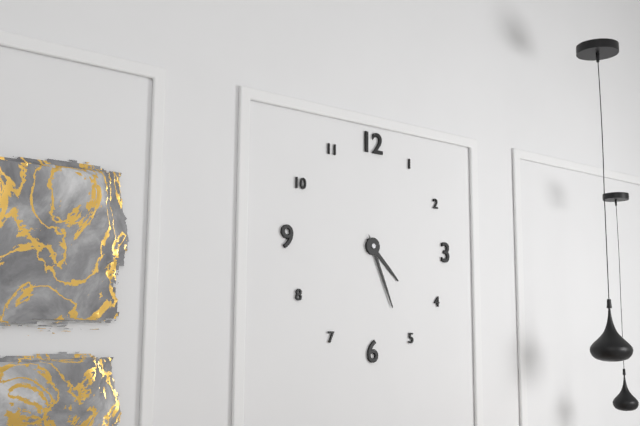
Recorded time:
{"hour": 4, "minute": 26}
